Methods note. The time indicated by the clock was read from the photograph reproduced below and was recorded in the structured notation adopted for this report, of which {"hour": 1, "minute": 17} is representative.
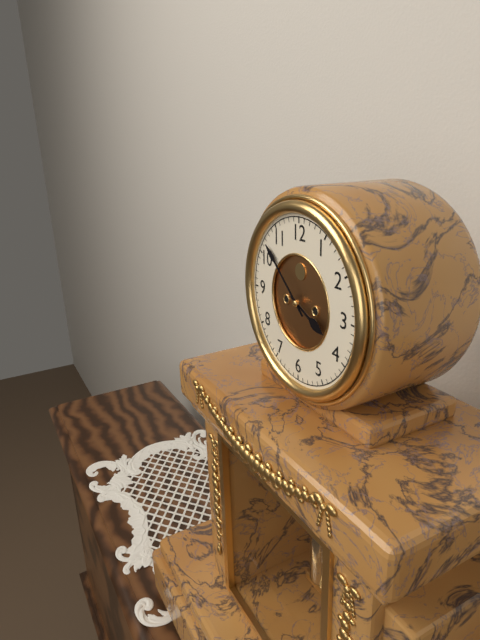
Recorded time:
{"hour": 3, "minute": 52}
